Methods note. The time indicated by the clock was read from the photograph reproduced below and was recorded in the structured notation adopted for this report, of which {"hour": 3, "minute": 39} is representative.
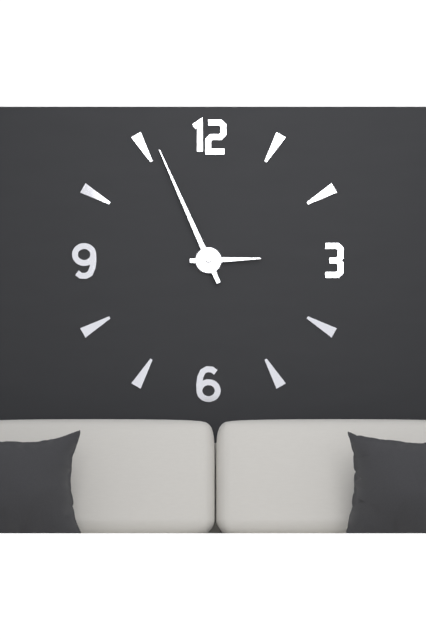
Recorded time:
{"hour": 2, "minute": 56}
